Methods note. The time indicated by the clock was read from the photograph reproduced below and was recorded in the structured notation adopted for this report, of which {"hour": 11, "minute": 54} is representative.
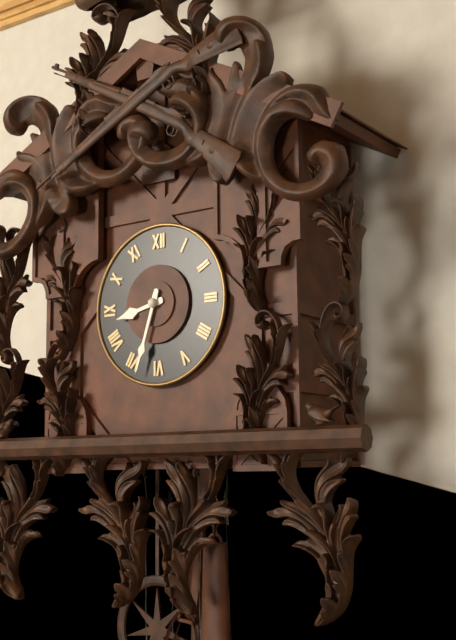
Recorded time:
{"hour": 8, "minute": 33}
